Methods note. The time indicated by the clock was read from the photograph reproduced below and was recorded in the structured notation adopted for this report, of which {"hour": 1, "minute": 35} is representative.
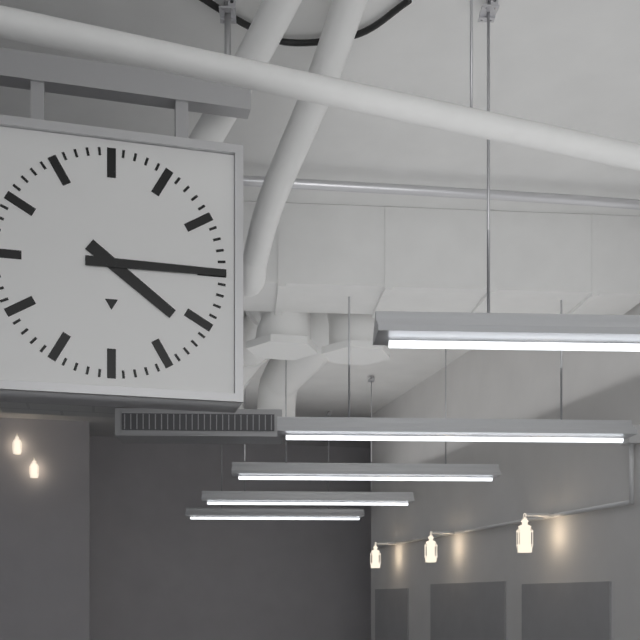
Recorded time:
{"hour": 4, "minute": 15}
